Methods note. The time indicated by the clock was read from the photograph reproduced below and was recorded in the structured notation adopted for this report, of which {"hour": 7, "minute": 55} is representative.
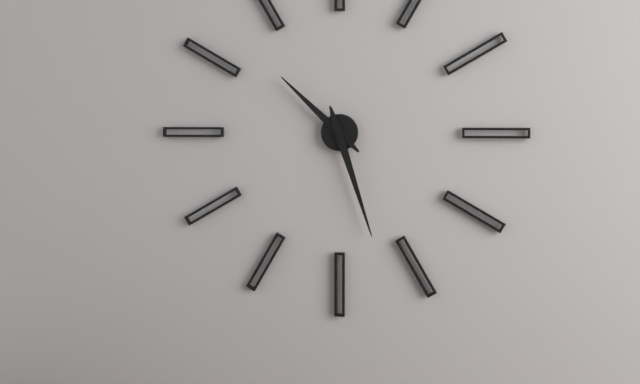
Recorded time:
{"hour": 10, "minute": 27}
